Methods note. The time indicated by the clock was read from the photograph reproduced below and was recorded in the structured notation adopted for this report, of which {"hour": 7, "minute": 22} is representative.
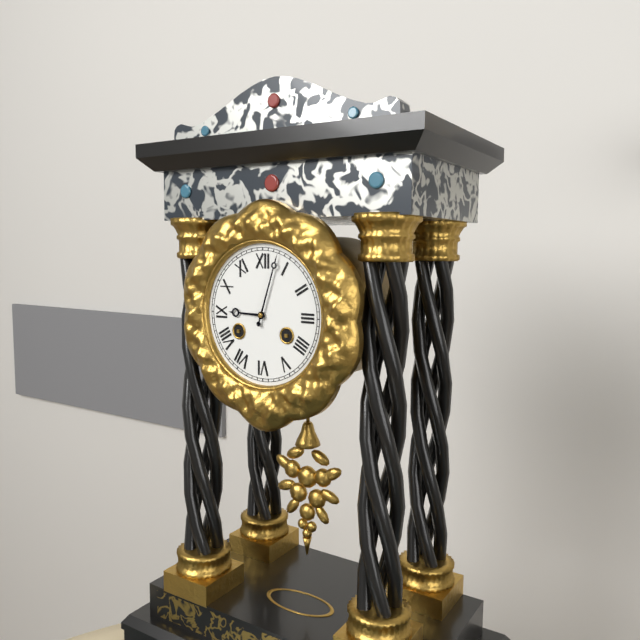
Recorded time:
{"hour": 9, "minute": 3}
